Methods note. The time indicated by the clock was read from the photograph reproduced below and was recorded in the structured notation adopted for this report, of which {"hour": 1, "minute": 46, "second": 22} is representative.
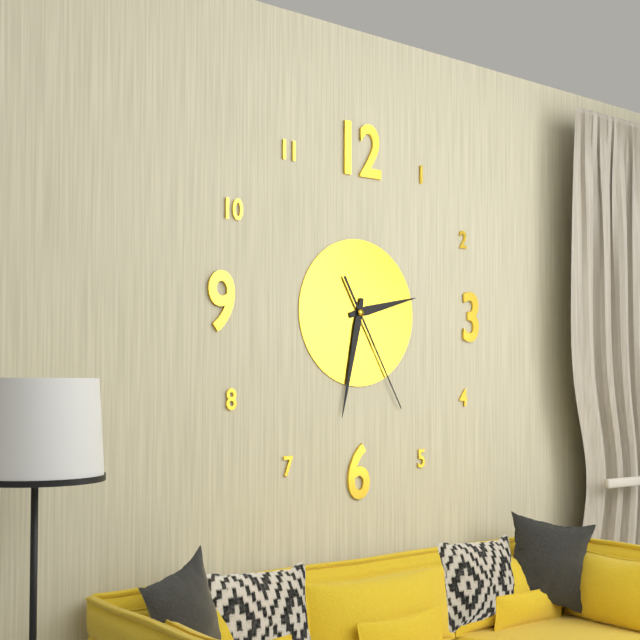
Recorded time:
{"hour": 2, "minute": 32, "second": 25}
